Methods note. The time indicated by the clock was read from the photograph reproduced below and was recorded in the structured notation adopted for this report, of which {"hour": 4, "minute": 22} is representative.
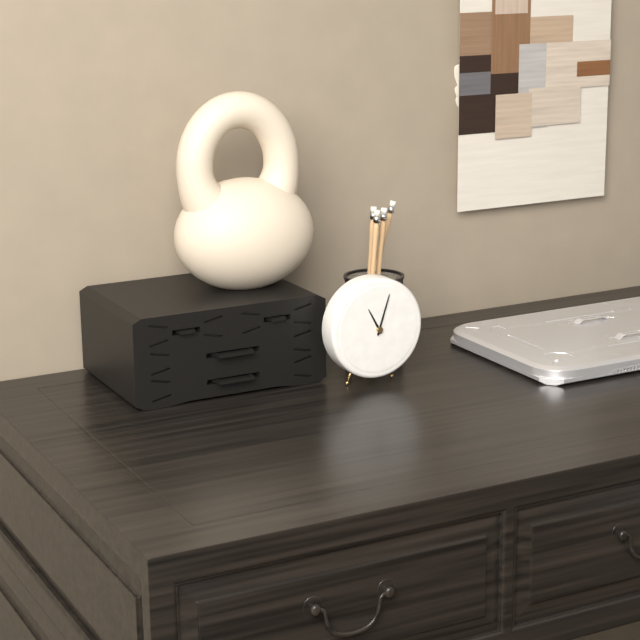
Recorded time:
{"hour": 11, "minute": 3}
